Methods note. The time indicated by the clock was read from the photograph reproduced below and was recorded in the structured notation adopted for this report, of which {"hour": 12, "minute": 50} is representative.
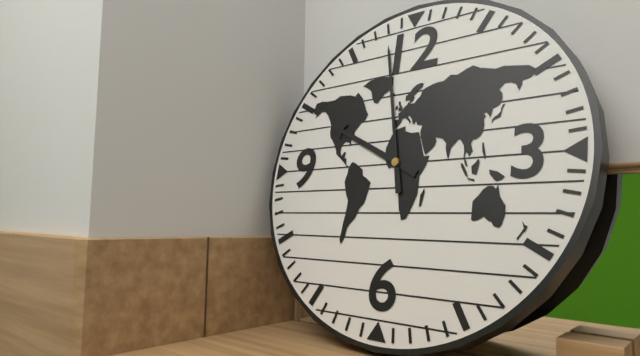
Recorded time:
{"hour": 9, "minute": 58}
